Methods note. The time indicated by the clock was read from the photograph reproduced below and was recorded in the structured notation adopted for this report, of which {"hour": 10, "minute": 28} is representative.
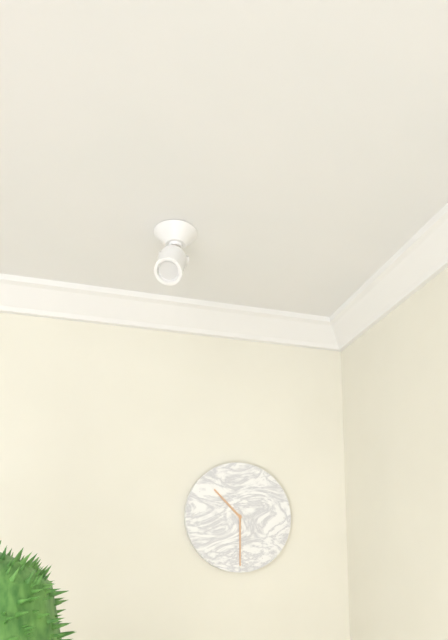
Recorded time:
{"hour": 10, "minute": 30}
